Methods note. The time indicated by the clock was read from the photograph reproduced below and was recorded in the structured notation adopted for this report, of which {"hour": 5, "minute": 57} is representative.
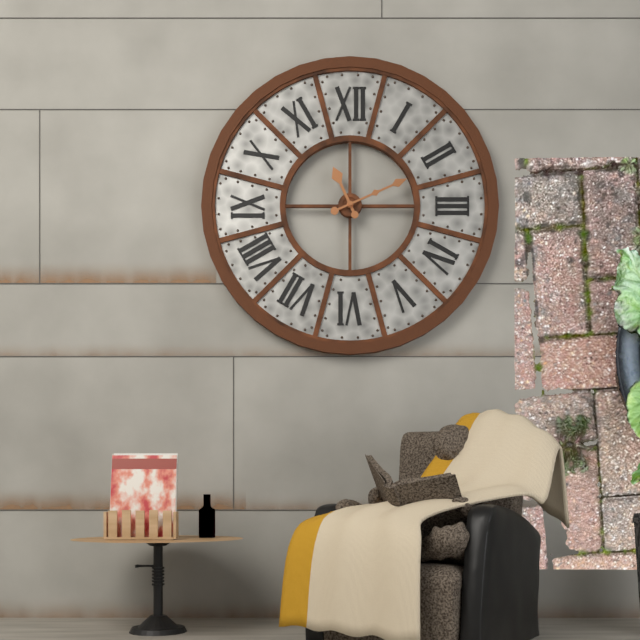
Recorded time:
{"hour": 11, "minute": 11}
